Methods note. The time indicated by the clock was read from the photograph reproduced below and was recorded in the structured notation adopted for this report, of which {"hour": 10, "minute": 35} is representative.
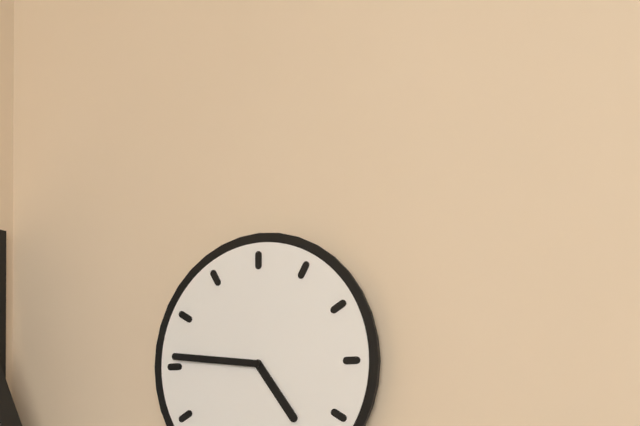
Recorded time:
{"hour": 4, "minute": 46}
